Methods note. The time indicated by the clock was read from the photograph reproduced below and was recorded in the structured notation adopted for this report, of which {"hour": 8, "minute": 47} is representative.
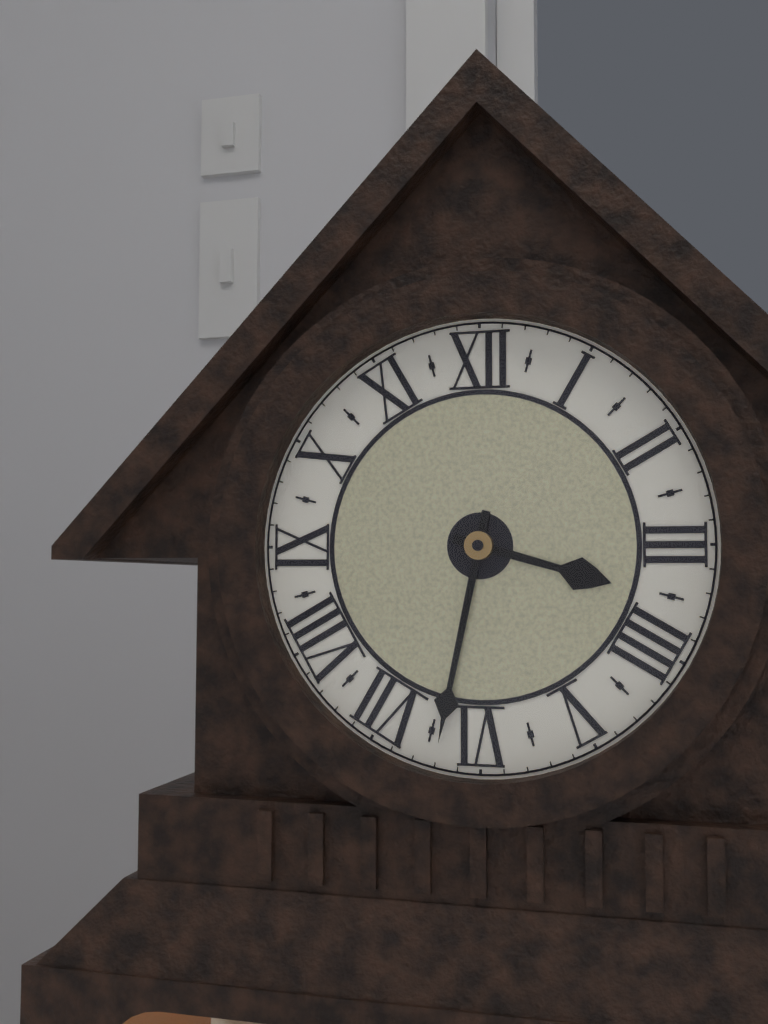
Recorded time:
{"hour": 3, "minute": 32}
